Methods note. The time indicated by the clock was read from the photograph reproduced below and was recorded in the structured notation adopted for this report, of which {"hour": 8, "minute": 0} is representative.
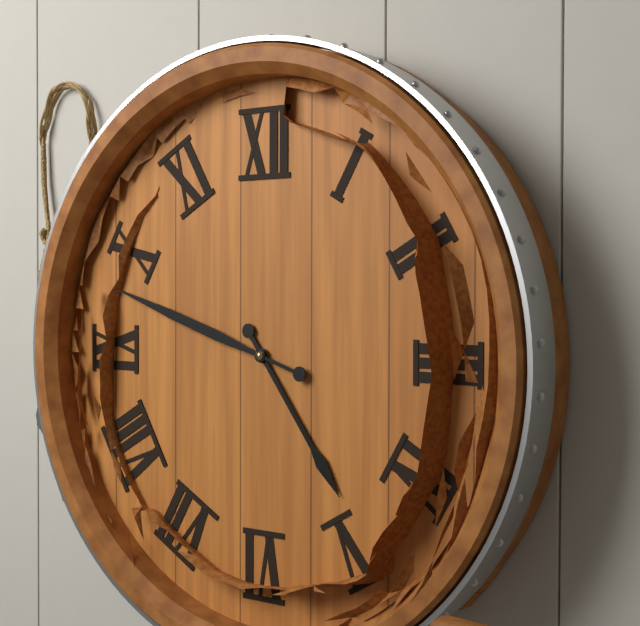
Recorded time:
{"hour": 4, "minute": 48}
